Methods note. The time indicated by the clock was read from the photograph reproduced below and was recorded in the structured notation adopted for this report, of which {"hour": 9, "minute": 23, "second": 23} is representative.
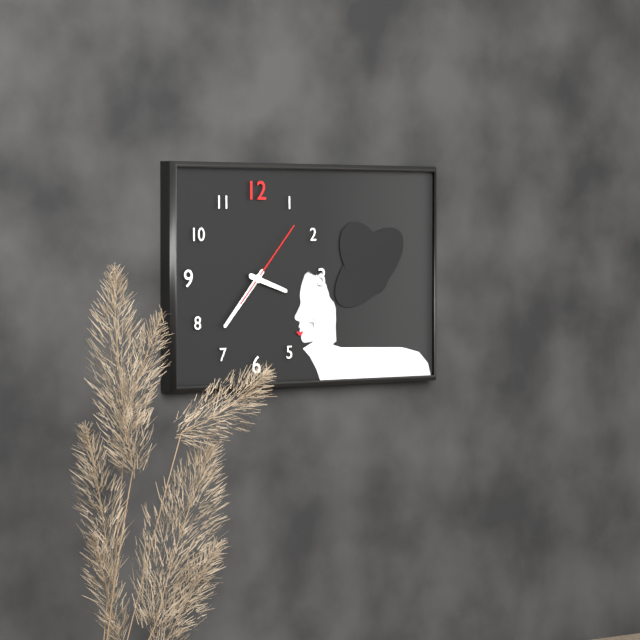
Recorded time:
{"hour": 3, "minute": 37, "second": 7}
